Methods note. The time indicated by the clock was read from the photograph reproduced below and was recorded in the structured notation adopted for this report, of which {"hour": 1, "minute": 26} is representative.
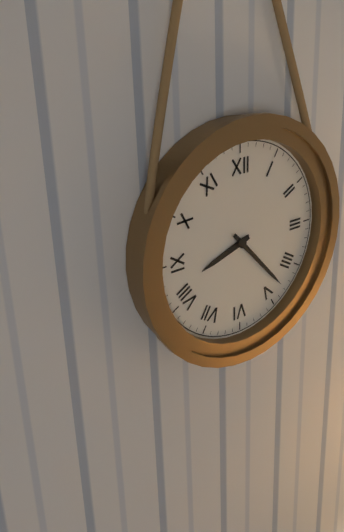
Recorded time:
{"hour": 8, "minute": 23}
